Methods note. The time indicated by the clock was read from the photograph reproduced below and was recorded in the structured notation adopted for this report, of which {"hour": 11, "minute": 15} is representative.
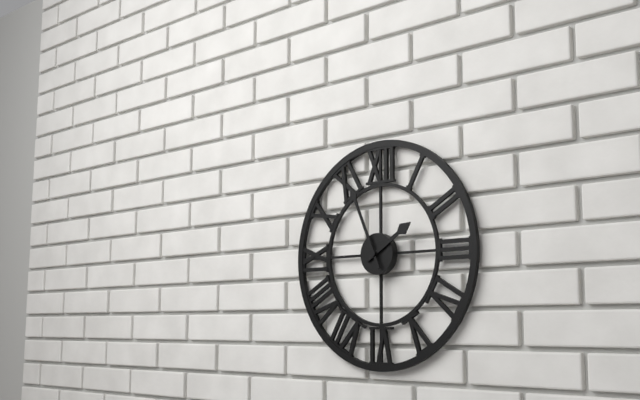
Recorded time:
{"hour": 1, "minute": 56}
